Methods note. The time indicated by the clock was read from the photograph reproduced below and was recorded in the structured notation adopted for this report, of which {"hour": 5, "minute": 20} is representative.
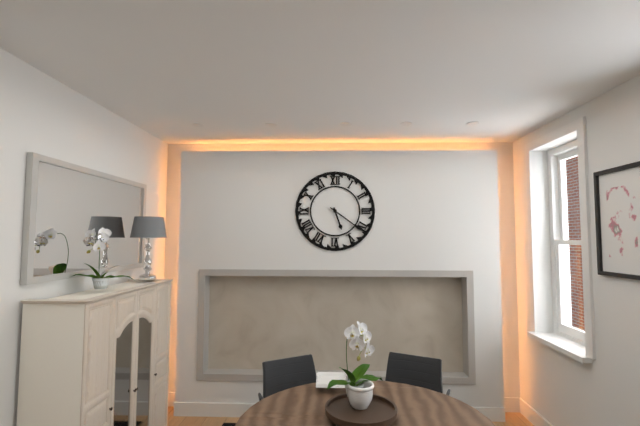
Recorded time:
{"hour": 5, "minute": 21}
